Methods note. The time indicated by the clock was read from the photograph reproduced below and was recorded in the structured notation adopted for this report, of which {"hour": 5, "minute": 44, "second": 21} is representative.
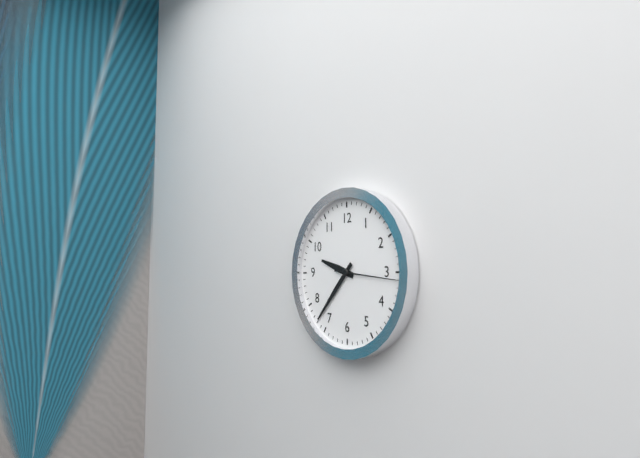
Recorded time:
{"hour": 9, "minute": 37, "second": 16}
